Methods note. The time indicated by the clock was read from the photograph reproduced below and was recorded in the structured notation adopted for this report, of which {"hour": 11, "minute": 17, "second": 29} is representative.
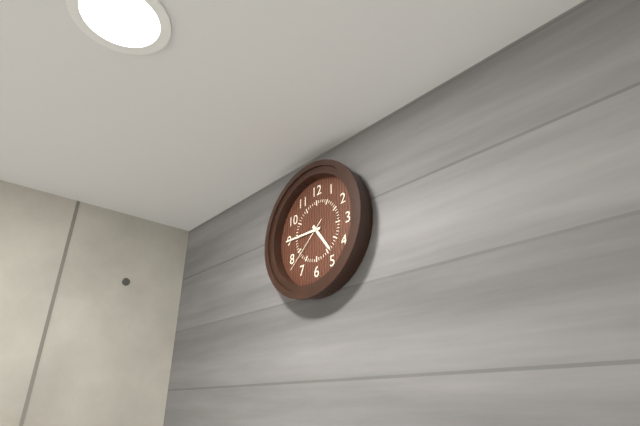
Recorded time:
{"hour": 4, "minute": 45, "second": 38}
